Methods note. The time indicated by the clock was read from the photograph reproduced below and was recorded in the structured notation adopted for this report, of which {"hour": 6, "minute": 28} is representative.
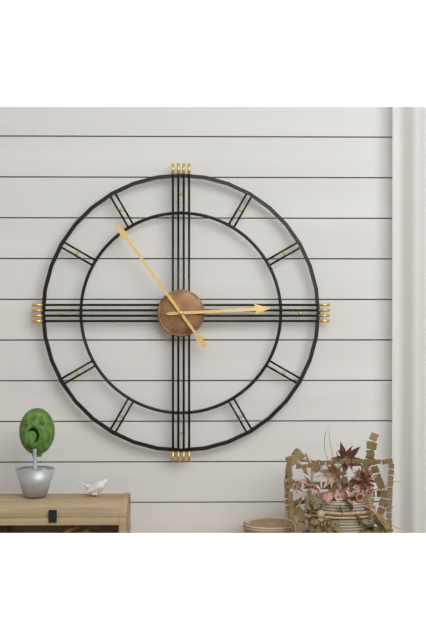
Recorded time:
{"hour": 2, "minute": 54}
